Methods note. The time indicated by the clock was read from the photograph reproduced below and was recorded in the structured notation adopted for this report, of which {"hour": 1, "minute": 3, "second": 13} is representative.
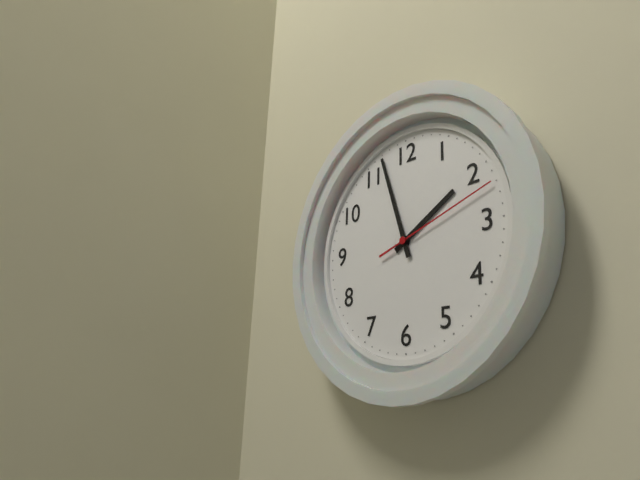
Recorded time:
{"hour": 1, "minute": 57, "second": 12}
